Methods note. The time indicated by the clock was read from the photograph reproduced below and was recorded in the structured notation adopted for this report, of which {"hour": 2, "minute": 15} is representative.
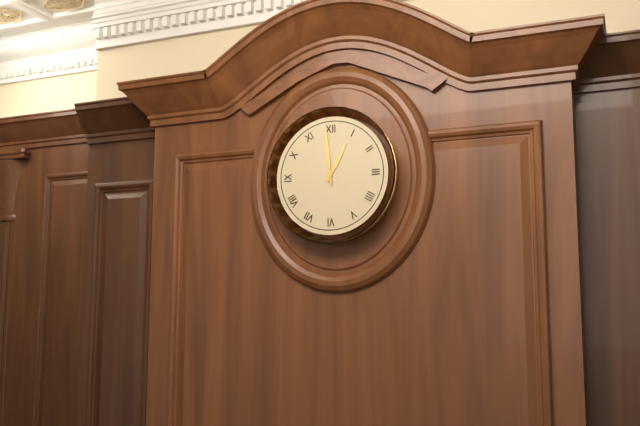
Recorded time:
{"hour": 12, "minute": 59}
